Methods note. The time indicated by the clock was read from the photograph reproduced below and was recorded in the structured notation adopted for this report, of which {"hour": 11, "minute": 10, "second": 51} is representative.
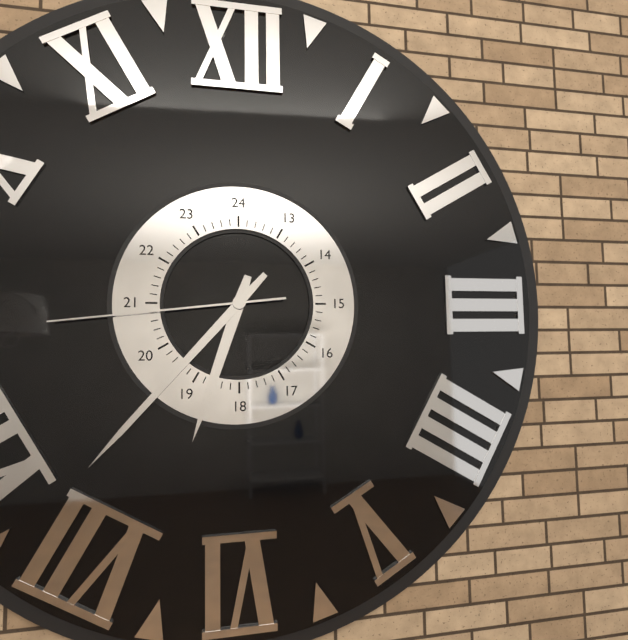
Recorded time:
{"hour": 6, "minute": 37, "second": 44}
